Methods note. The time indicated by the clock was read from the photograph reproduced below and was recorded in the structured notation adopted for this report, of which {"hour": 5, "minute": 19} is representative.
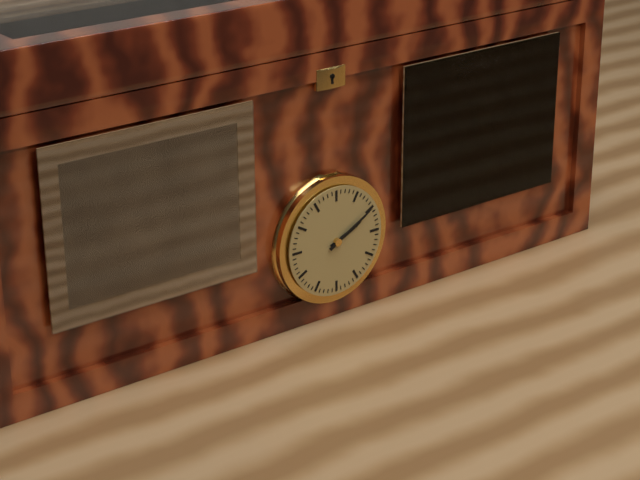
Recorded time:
{"hour": 2, "minute": 10}
